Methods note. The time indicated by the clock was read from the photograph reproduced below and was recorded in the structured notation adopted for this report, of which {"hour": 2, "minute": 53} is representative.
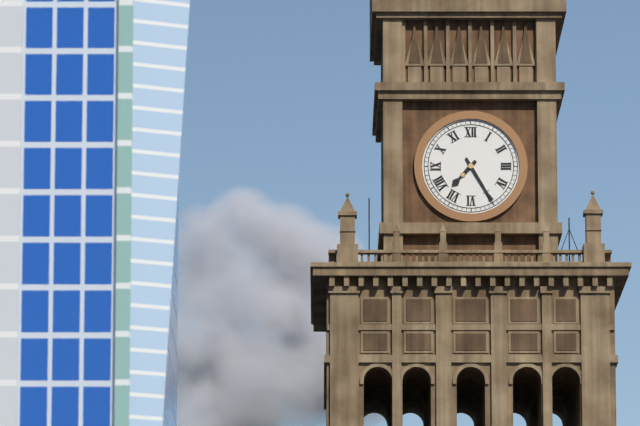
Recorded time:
{"hour": 7, "minute": 25}
